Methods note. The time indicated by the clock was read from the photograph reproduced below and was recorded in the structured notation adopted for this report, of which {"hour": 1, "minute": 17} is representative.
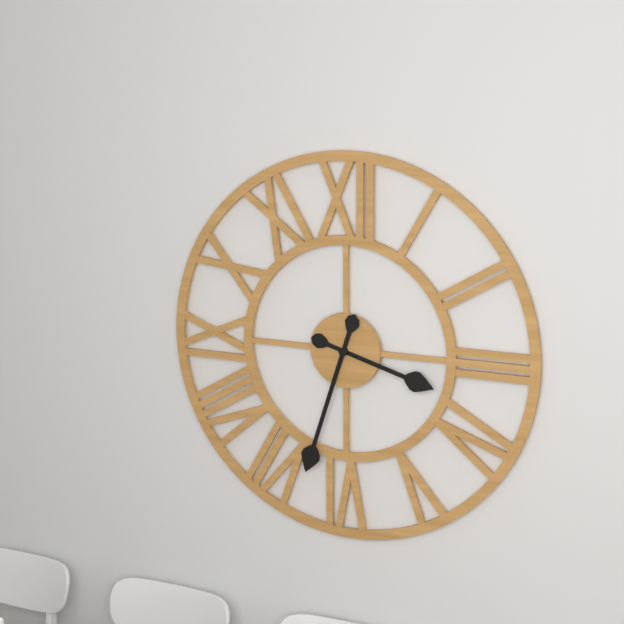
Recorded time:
{"hour": 3, "minute": 33}
